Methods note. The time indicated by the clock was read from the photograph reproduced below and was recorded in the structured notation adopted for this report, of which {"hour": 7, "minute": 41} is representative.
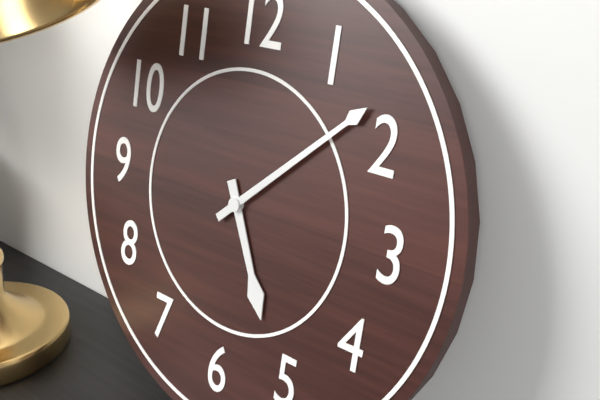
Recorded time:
{"hour": 5, "minute": 8}
